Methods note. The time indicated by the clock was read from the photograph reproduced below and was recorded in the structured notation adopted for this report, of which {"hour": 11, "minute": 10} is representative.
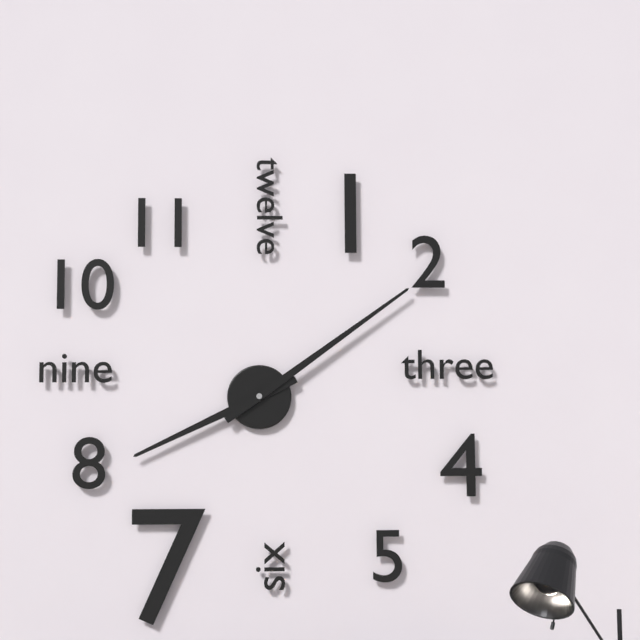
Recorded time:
{"hour": 8, "minute": 9}
